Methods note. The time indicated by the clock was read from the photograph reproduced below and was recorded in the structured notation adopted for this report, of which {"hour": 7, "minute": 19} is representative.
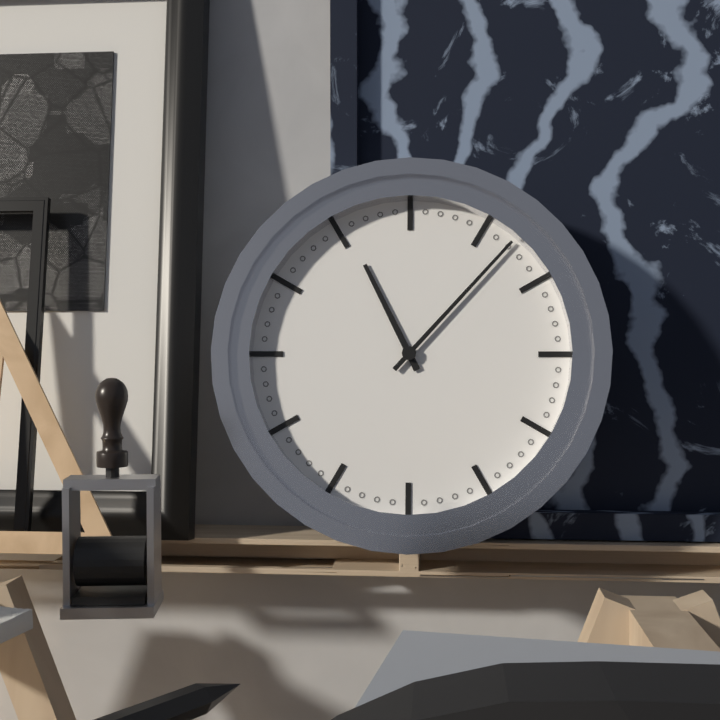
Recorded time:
{"hour": 11, "minute": 7}
